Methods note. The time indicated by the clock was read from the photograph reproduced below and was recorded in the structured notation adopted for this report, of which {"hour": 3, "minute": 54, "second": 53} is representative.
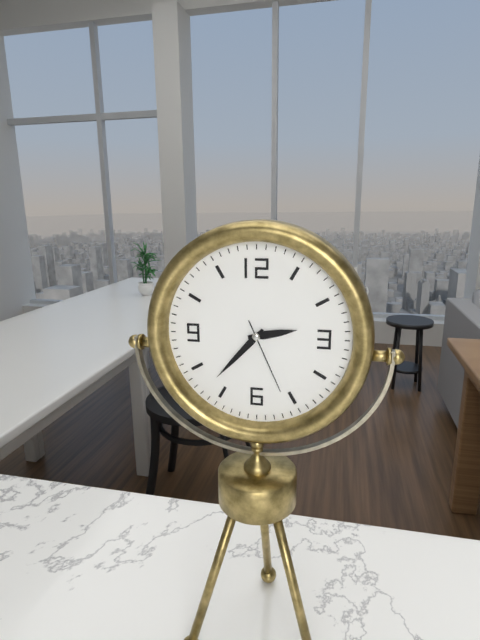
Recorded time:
{"hour": 2, "minute": 37, "second": 26}
